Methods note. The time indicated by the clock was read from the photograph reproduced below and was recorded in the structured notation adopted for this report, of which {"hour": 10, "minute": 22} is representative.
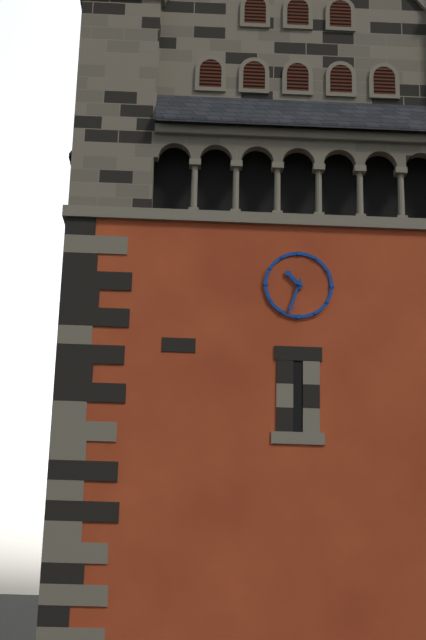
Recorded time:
{"hour": 10, "minute": 33}
